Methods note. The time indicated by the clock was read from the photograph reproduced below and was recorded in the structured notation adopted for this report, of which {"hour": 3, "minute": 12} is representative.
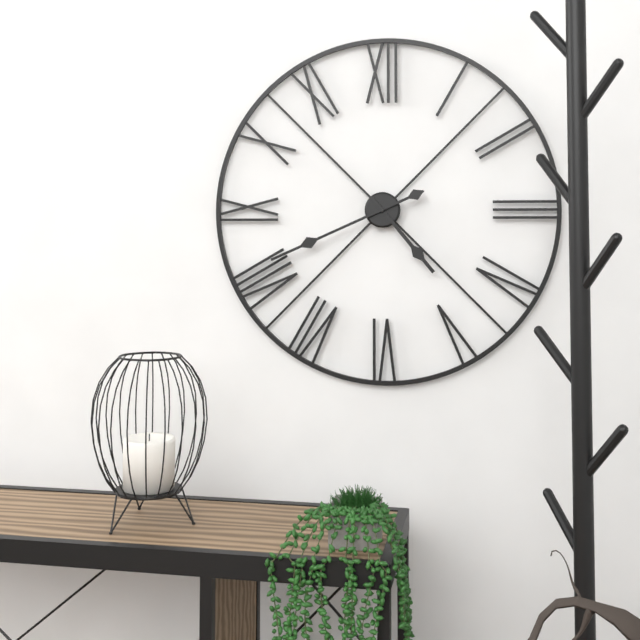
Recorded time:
{"hour": 4, "minute": 41}
